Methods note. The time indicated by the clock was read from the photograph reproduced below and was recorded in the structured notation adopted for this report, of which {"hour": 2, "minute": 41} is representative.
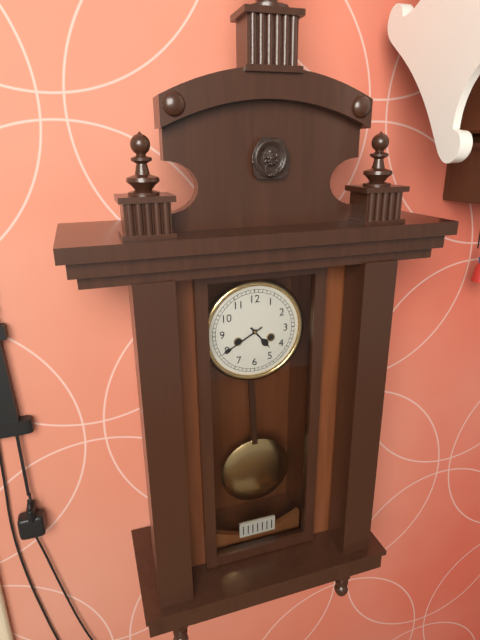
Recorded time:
{"hour": 4, "minute": 40}
